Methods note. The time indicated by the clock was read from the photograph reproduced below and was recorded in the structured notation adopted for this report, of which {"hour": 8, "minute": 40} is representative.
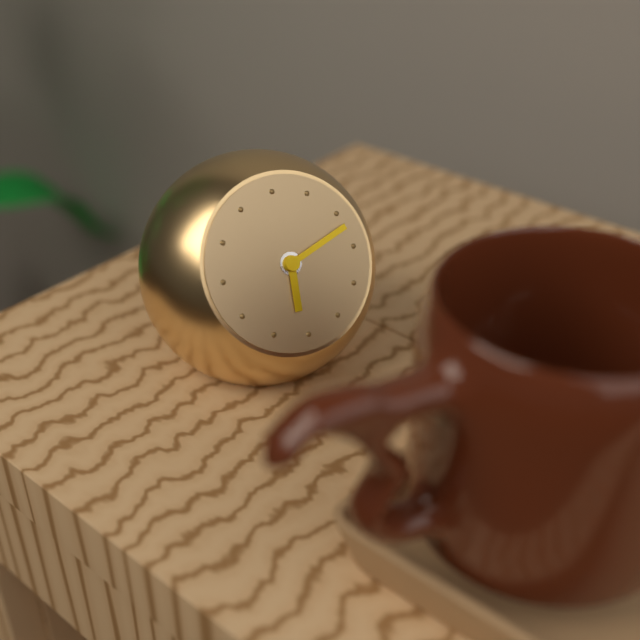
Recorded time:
{"hour": 6, "minute": 12}
